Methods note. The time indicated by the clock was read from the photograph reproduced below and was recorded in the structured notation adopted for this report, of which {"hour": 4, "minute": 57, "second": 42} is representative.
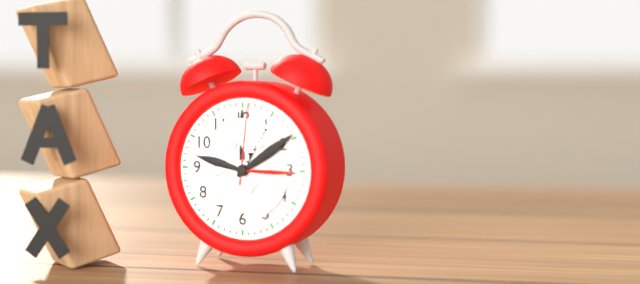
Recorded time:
{"hour": 1, "minute": 0, "second": 1}
